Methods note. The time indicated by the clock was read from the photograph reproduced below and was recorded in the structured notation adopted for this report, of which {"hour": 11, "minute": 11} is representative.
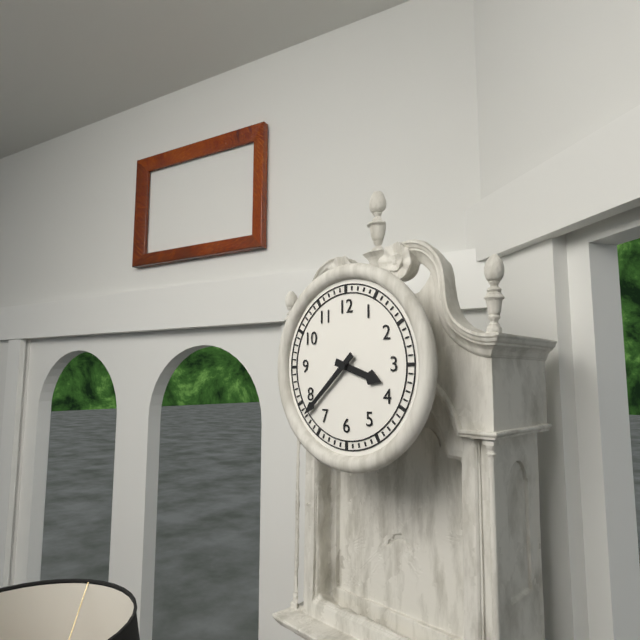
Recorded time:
{"hour": 3, "minute": 38}
